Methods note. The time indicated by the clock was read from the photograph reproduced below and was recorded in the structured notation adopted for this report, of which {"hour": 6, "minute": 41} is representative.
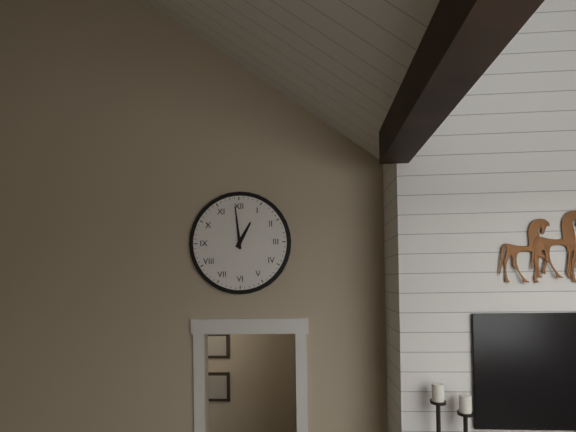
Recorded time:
{"hour": 12, "minute": 59}
